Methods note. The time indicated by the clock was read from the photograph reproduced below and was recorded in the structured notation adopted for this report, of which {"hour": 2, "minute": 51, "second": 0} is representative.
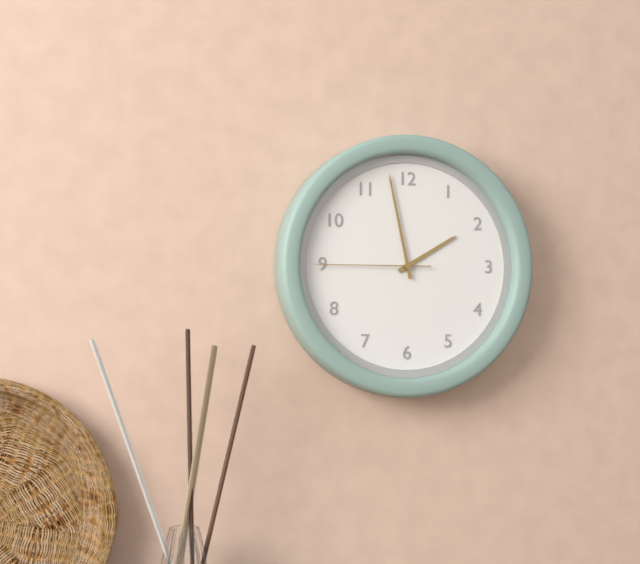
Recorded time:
{"hour": 1, "minute": 58, "second": 45}
